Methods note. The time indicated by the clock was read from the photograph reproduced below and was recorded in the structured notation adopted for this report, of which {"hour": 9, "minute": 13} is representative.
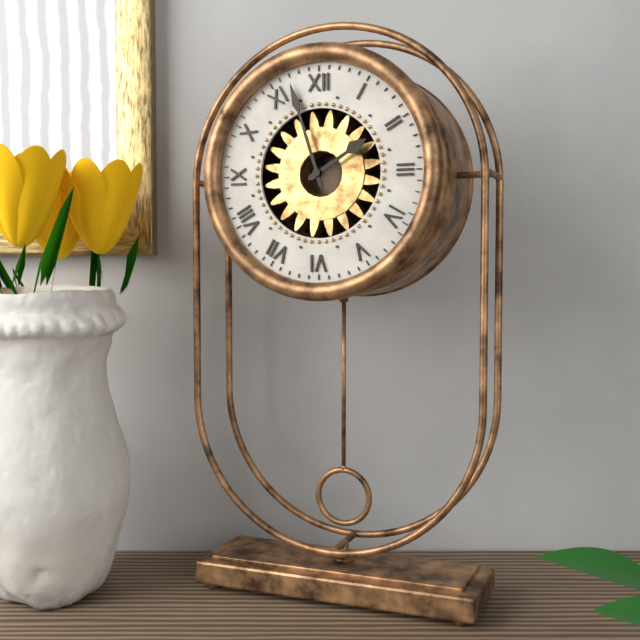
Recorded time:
{"hour": 1, "minute": 57}
